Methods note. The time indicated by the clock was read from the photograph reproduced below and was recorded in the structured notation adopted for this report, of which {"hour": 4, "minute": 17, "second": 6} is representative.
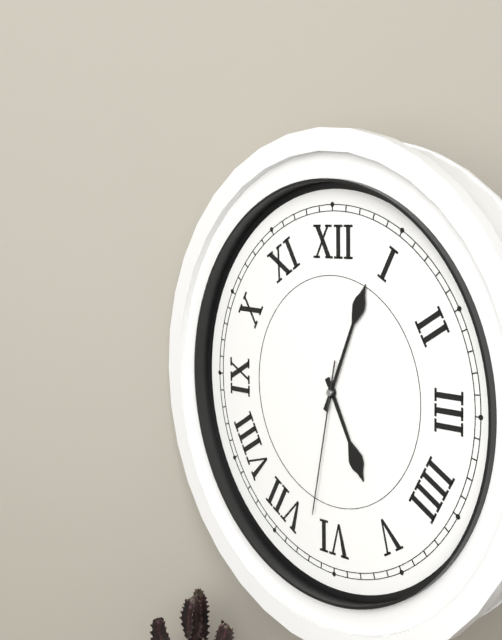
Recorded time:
{"hour": 5, "minute": 4, "second": 32}
